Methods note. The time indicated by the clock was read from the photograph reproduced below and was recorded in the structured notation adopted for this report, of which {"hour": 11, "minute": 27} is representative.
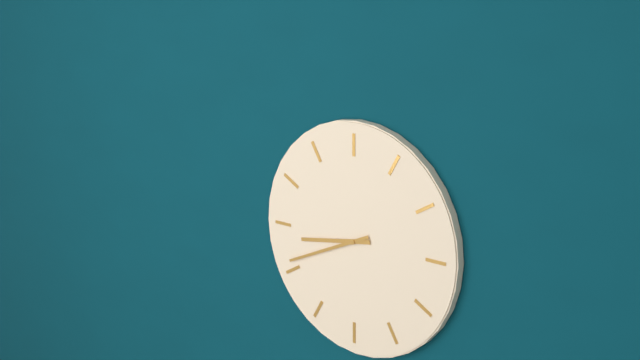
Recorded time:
{"hour": 8, "minute": 41}
